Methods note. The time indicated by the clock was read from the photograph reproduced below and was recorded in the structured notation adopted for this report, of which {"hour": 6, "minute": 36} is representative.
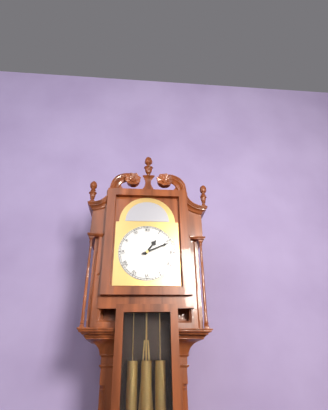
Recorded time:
{"hour": 1, "minute": 11}
